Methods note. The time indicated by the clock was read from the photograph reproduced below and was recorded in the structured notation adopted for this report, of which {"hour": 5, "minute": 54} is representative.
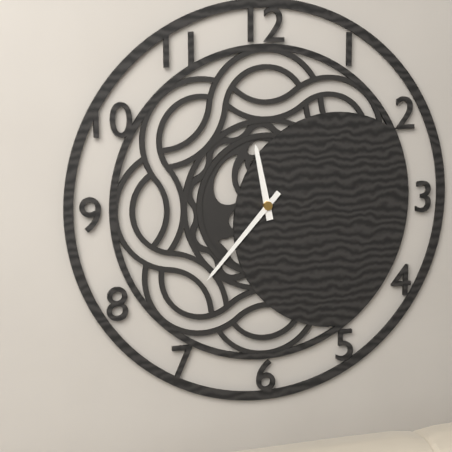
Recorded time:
{"hour": 11, "minute": 37}
